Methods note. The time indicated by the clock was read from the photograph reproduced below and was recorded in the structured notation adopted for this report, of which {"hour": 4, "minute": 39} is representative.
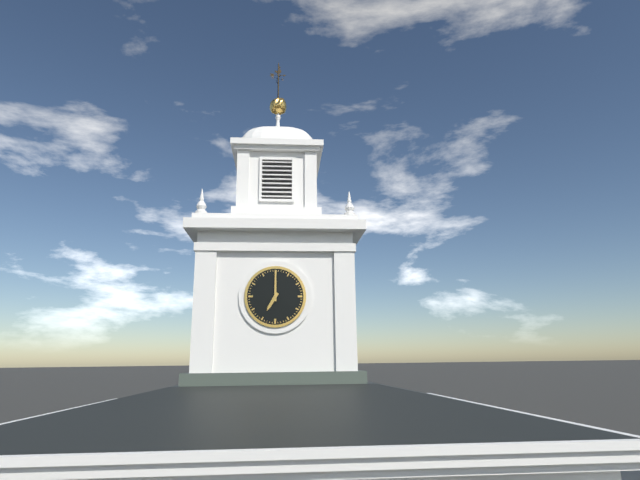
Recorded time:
{"hour": 7, "minute": 0}
